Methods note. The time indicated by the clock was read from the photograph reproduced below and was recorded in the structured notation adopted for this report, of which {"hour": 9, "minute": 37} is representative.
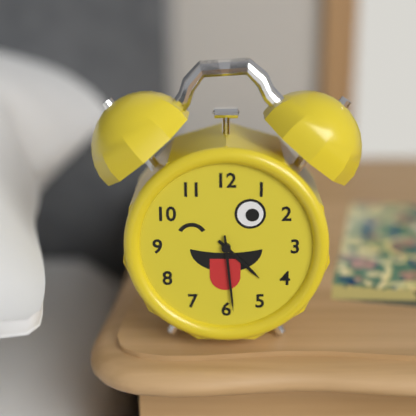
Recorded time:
{"hour": 4, "minute": 29}
